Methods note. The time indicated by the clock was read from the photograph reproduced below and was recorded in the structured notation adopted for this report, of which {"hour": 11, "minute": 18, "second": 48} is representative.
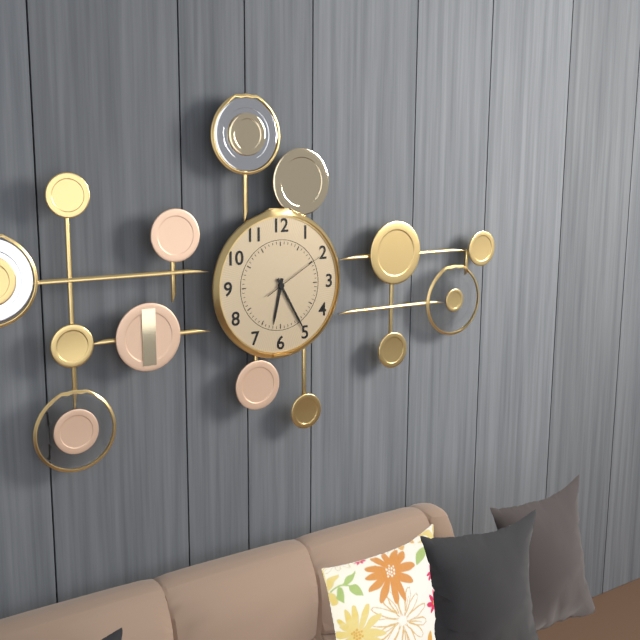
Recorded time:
{"hour": 6, "minute": 25, "second": 10}
